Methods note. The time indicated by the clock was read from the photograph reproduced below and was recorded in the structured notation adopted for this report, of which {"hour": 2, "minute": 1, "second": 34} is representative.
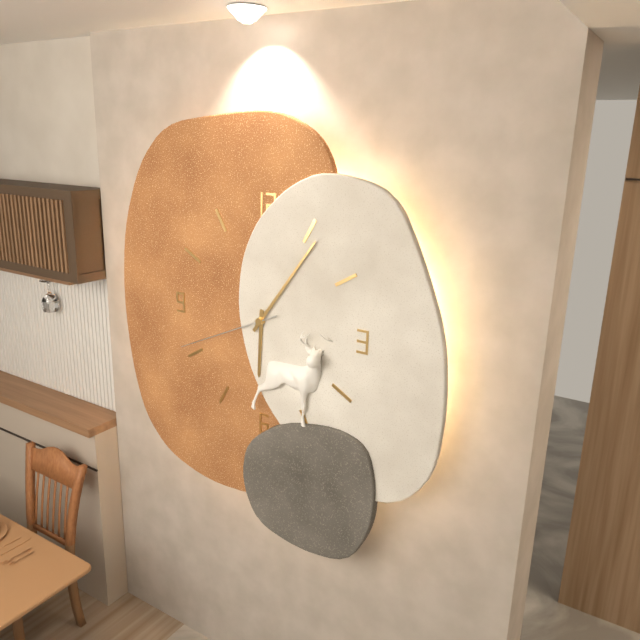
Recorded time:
{"hour": 6, "minute": 6, "second": 41}
